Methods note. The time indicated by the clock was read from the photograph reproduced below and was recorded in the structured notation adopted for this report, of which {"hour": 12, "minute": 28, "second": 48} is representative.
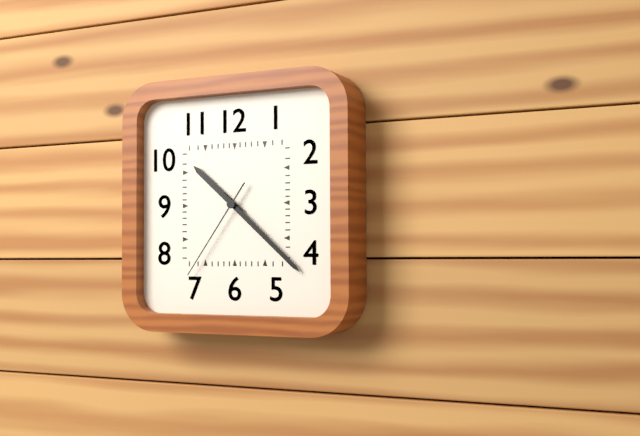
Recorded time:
{"hour": 10, "minute": 22, "second": 36}
